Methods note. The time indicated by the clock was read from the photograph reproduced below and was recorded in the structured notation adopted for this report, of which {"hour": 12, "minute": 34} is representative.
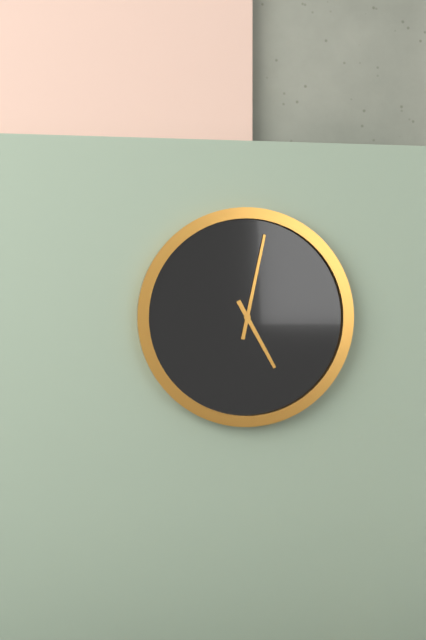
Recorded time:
{"hour": 5, "minute": 2}
